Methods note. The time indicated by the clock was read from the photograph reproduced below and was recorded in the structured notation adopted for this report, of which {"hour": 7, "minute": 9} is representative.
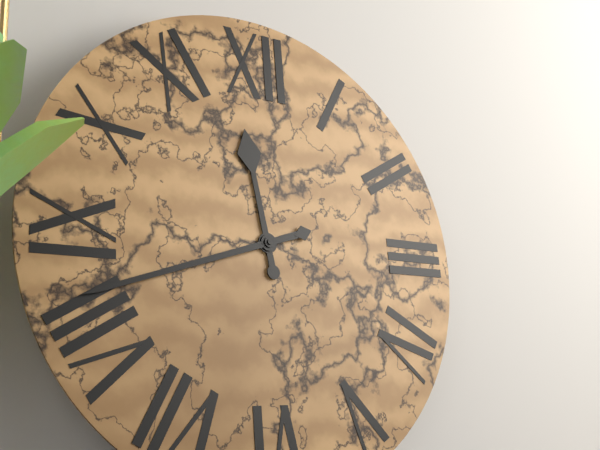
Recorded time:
{"hour": 11, "minute": 42}
